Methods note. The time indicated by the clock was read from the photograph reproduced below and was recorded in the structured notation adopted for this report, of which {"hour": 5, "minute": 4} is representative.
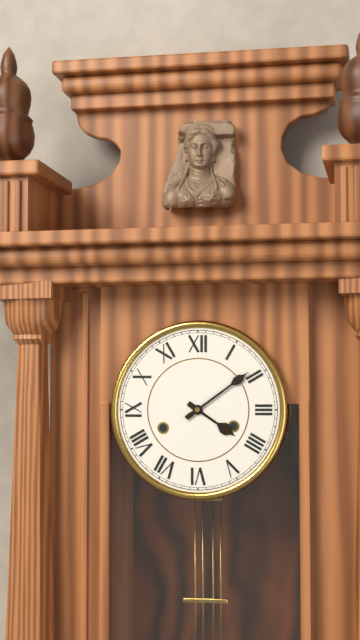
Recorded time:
{"hour": 4, "minute": 9}
